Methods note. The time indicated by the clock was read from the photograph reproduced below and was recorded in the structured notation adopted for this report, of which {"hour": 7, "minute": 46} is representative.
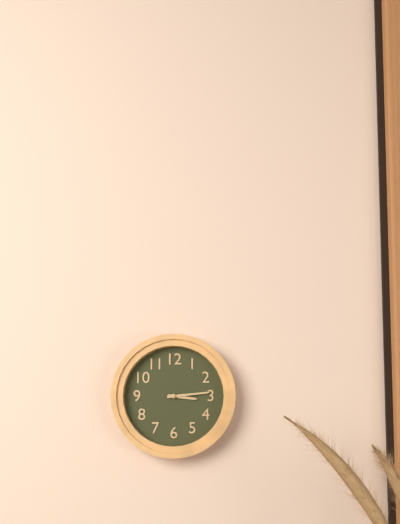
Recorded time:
{"hour": 3, "minute": 14}
